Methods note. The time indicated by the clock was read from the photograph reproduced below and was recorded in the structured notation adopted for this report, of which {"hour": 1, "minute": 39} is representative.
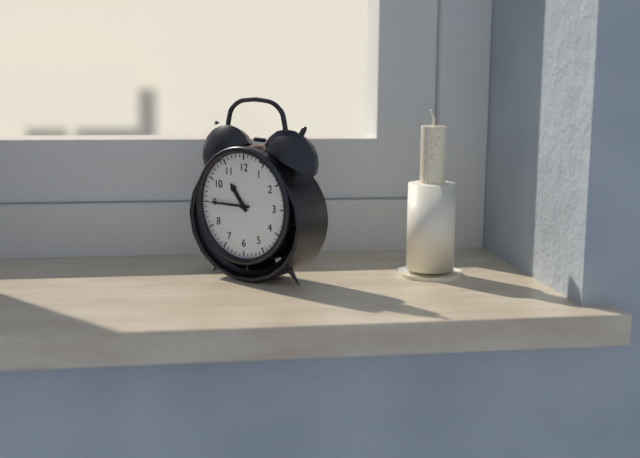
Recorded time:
{"hour": 10, "minute": 45}
